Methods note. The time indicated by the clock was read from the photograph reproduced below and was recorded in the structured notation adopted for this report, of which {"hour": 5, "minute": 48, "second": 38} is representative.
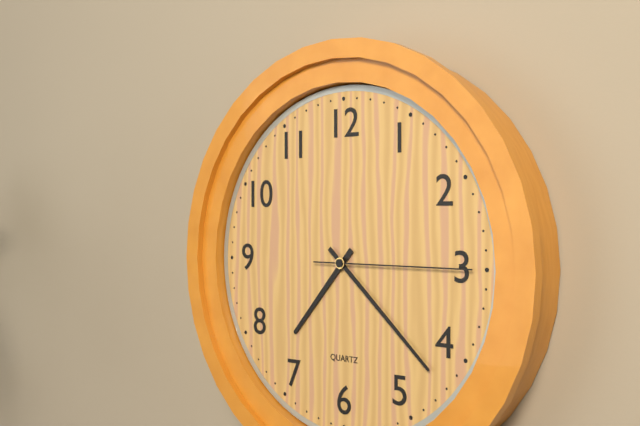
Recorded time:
{"hour": 7, "minute": 22, "second": 15}
